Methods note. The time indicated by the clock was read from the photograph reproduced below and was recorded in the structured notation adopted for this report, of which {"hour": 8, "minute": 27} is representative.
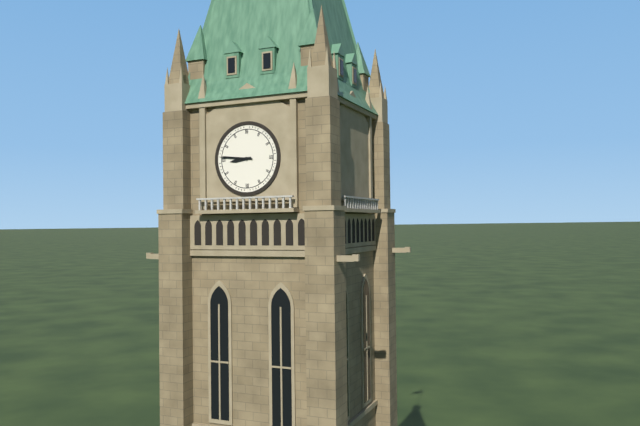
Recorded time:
{"hour": 8, "minute": 46}
